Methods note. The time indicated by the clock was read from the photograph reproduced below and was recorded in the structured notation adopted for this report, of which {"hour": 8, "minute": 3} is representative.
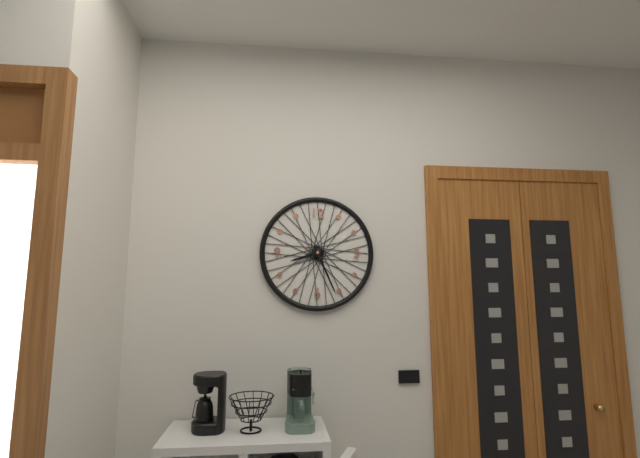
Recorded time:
{"hour": 8, "minute": 26}
